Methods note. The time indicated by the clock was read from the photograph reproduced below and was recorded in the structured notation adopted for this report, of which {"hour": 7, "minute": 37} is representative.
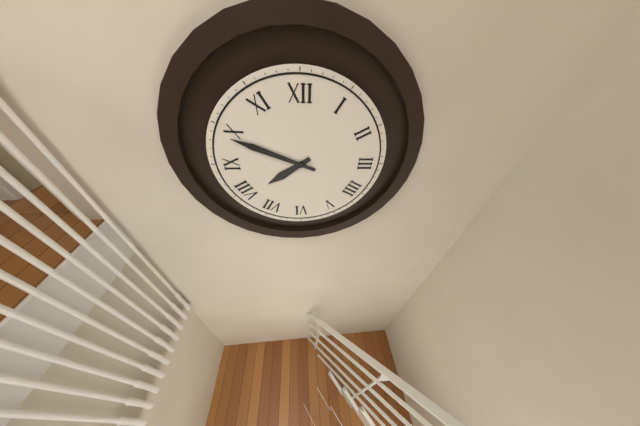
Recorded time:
{"hour": 7, "minute": 49}
